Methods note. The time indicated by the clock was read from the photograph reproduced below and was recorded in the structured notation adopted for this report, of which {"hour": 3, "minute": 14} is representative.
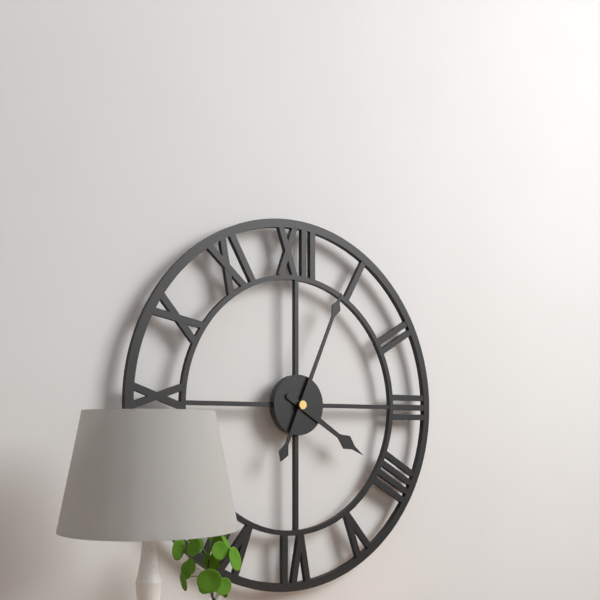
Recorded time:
{"hour": 4, "minute": 4}
